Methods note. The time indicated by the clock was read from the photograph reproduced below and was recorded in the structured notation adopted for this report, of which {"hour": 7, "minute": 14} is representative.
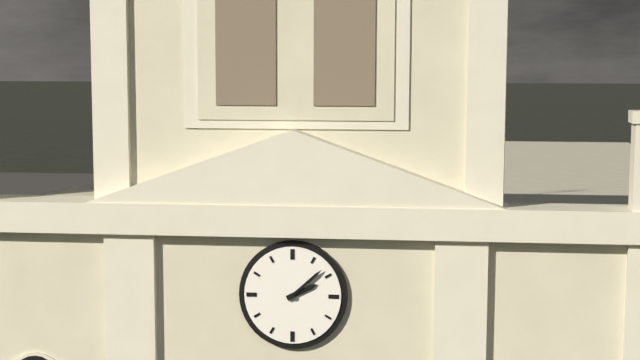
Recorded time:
{"hour": 2, "minute": 8}
